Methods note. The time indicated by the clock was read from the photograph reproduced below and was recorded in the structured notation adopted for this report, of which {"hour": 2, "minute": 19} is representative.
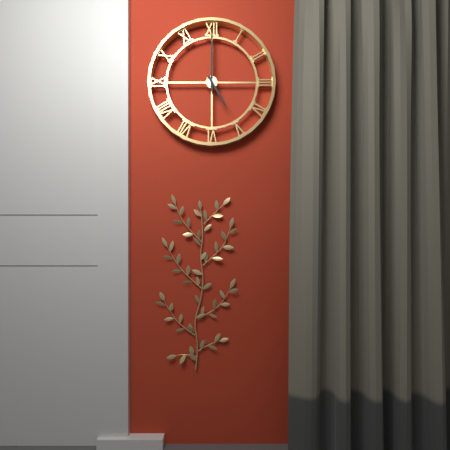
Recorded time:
{"hour": 5, "minute": 0}
